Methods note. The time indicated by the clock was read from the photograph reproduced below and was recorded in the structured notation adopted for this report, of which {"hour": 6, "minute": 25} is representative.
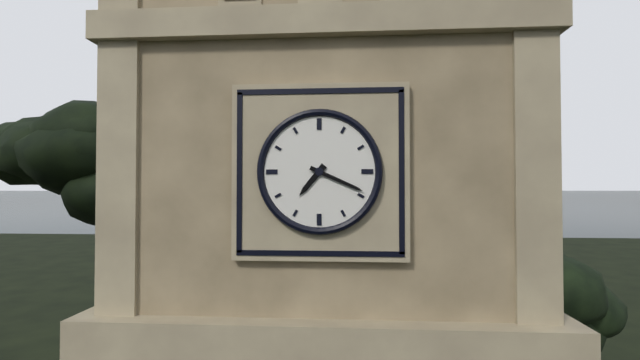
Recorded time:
{"hour": 7, "minute": 19}
